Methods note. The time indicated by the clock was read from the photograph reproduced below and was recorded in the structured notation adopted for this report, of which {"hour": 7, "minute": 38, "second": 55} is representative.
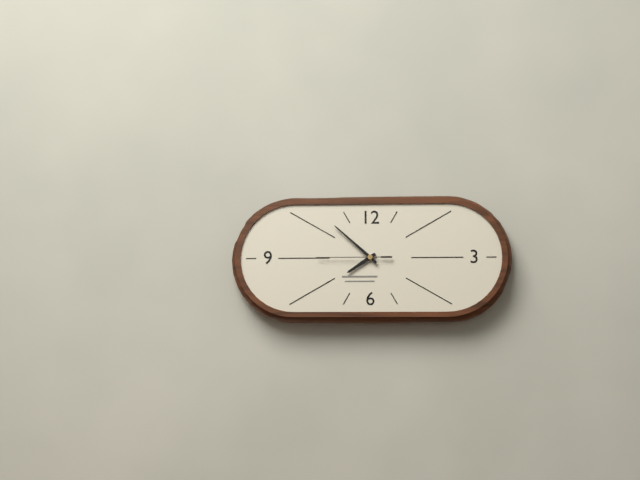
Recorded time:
{"hour": 7, "minute": 52, "second": 45}
